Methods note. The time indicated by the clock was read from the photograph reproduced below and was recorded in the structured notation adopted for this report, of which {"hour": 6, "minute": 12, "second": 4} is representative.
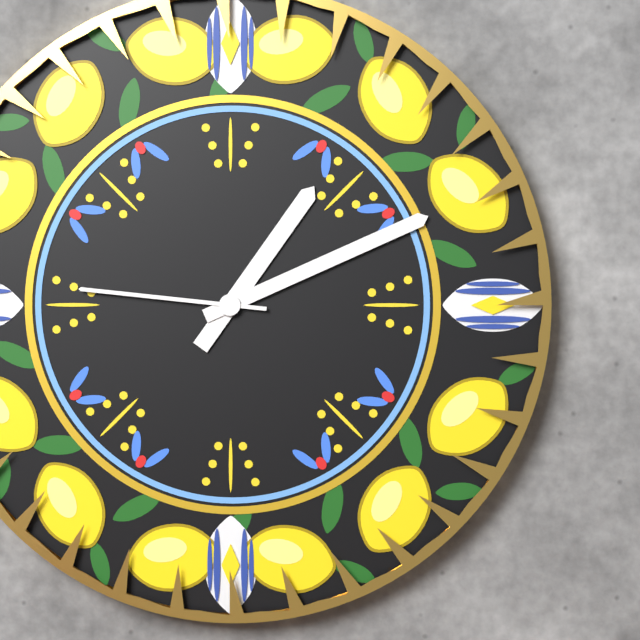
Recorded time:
{"hour": 1, "minute": 11, "second": 46}
